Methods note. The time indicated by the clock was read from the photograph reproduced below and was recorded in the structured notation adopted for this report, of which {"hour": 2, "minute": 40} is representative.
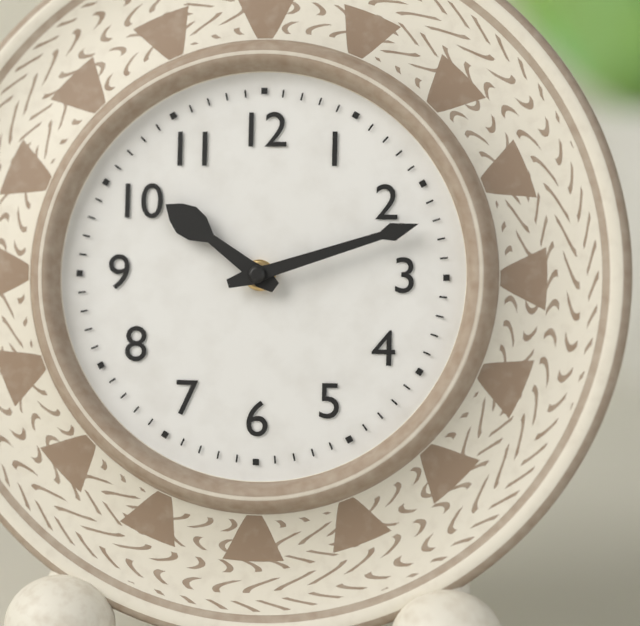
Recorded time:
{"hour": 10, "minute": 12}
